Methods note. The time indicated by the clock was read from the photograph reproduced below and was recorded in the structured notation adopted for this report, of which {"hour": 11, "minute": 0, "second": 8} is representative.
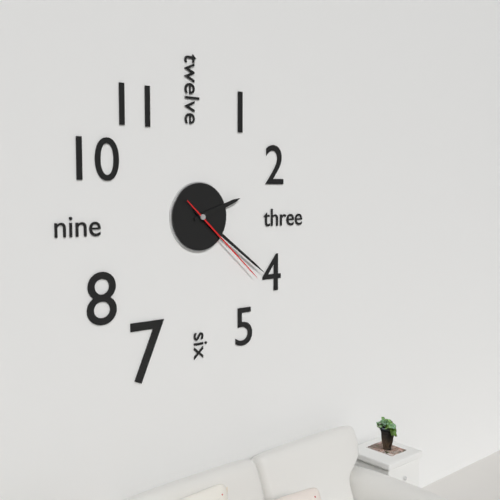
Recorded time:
{"hour": 2, "minute": 21, "second": 22}
